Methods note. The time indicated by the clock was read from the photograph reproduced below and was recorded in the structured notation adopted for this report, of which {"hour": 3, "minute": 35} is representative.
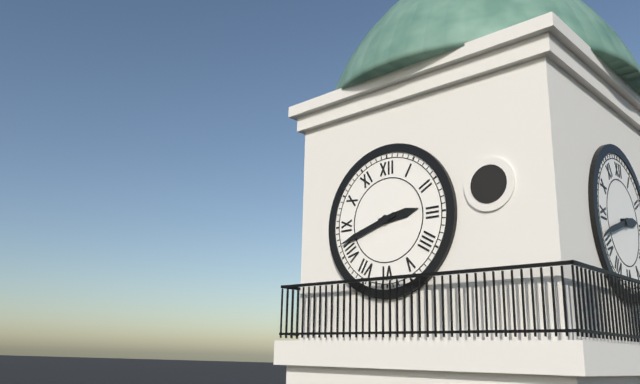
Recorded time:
{"hour": 2, "minute": 42}
